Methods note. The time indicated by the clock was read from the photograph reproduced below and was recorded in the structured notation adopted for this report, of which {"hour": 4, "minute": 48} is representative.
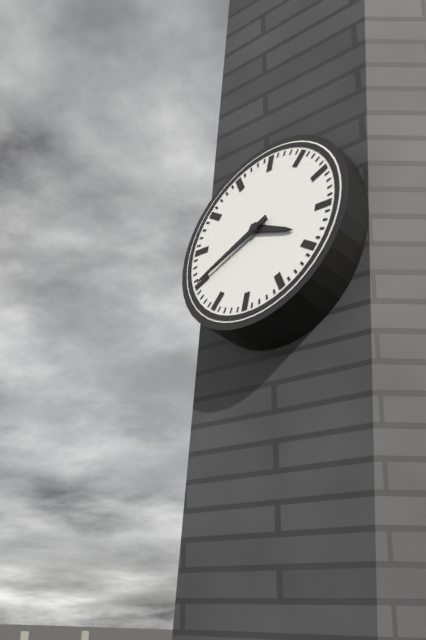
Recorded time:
{"hour": 3, "minute": 40}
